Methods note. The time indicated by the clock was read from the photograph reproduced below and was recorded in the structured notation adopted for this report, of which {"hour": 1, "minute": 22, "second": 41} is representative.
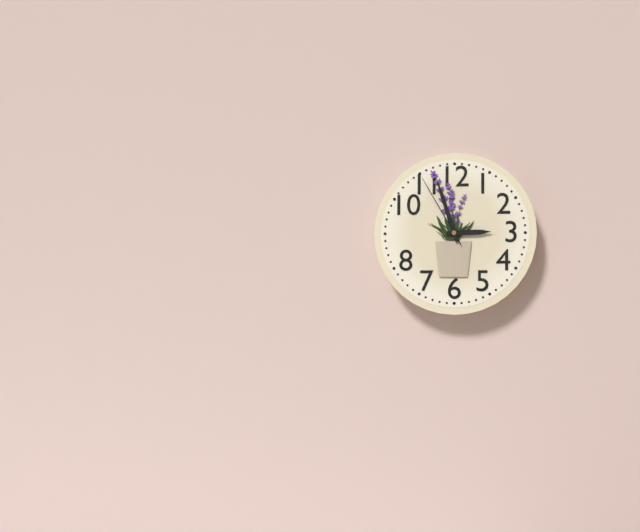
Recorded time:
{"hour": 2, "minute": 57, "second": 55}
